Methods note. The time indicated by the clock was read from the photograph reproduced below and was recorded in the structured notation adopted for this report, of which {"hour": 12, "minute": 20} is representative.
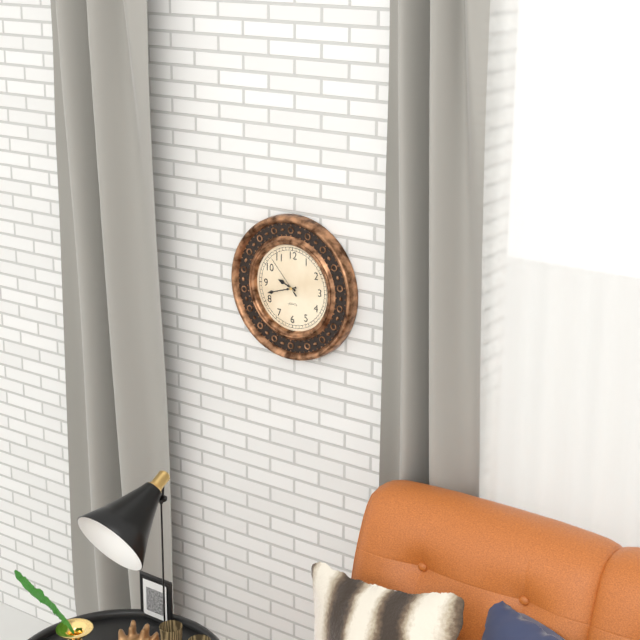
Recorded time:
{"hour": 9, "minute": 42}
